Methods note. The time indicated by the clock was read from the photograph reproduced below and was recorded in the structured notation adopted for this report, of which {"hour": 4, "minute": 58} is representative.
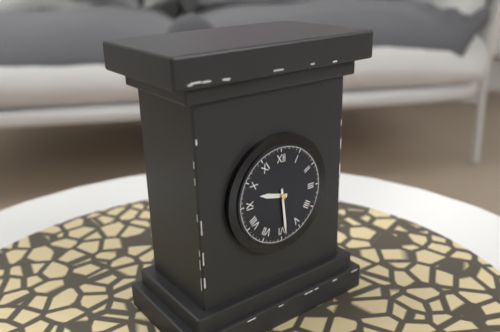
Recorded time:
{"hour": 9, "minute": 29}
